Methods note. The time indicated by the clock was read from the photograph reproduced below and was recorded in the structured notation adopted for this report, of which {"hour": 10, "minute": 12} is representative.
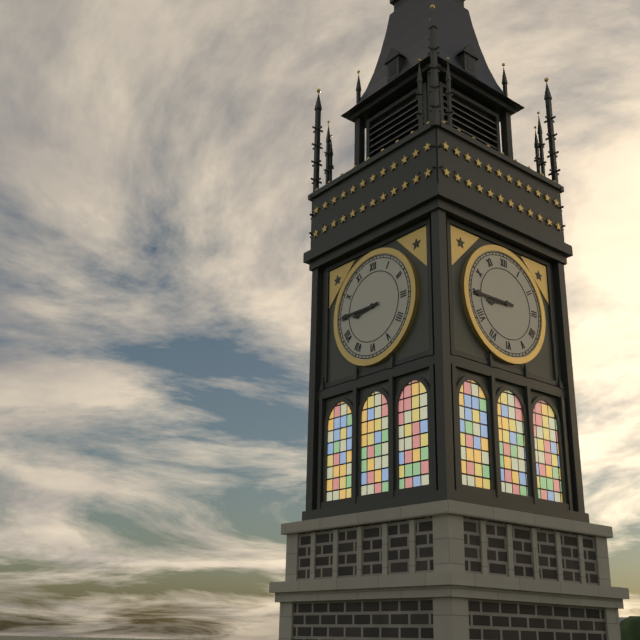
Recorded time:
{"hour": 8, "minute": 45}
